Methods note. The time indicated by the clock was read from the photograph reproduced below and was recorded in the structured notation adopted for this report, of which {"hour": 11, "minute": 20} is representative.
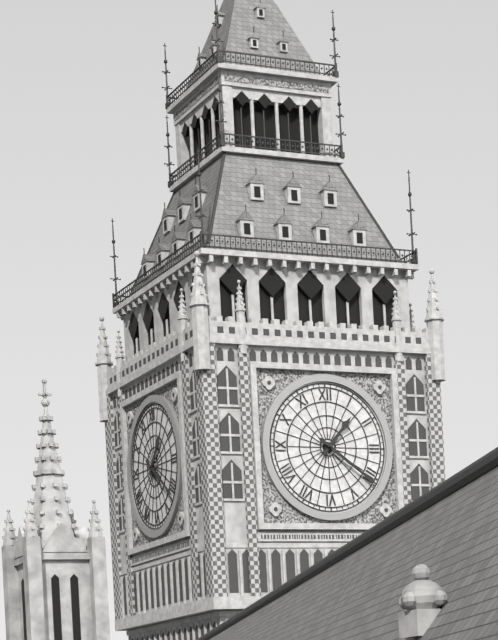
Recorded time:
{"hour": 1, "minute": 21}
